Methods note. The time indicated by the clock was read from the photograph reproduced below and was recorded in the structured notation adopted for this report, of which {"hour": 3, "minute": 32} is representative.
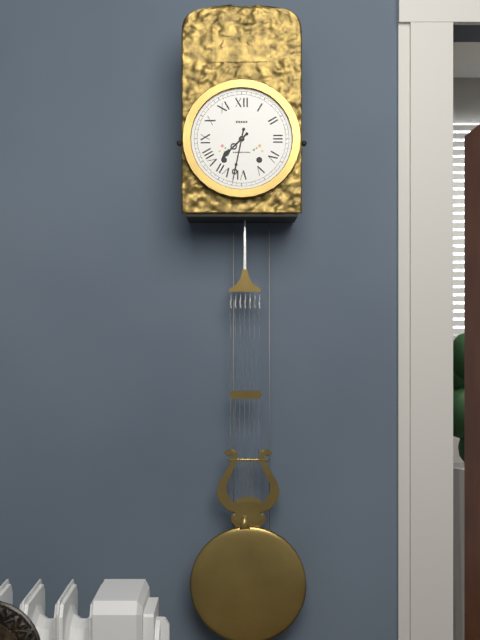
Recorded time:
{"hour": 7, "minute": 32}
